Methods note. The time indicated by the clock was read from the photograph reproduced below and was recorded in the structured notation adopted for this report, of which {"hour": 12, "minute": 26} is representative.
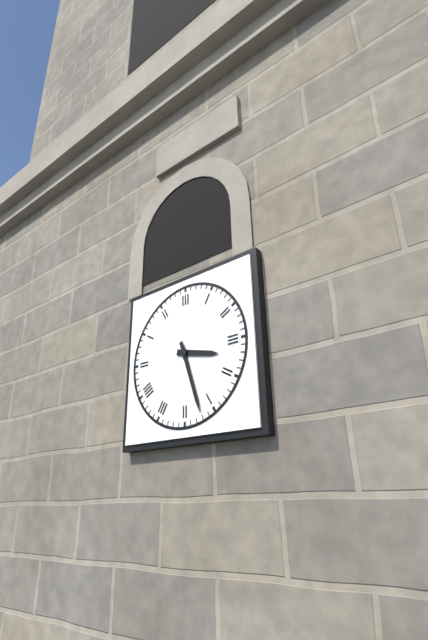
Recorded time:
{"hour": 3, "minute": 27}
